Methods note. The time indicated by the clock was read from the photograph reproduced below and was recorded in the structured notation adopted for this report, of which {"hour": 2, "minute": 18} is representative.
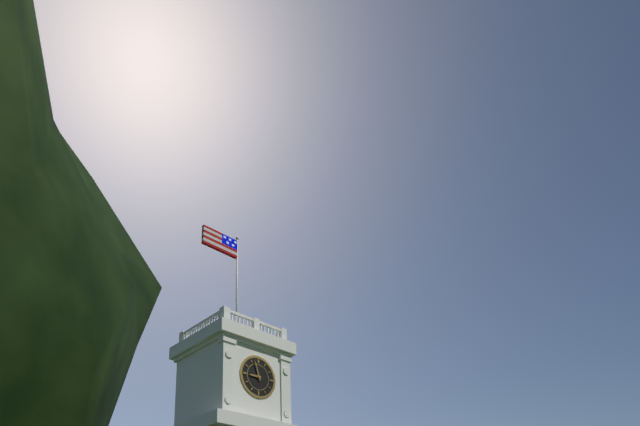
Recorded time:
{"hour": 8, "minute": 57}
